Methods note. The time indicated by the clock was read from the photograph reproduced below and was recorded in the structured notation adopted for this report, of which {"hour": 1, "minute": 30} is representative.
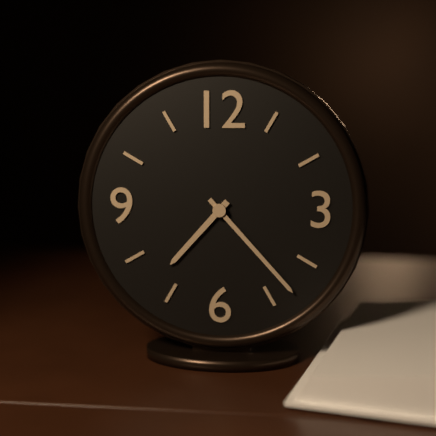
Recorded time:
{"hour": 7, "minute": 23}
